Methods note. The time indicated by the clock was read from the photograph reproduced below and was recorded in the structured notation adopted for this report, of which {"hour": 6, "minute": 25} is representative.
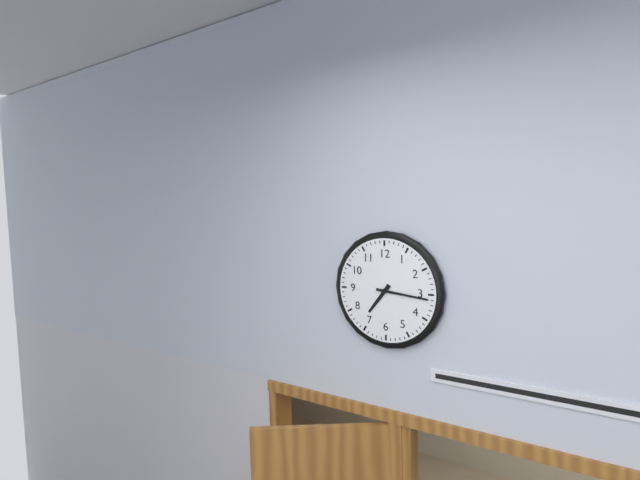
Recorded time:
{"hour": 7, "minute": 16}
